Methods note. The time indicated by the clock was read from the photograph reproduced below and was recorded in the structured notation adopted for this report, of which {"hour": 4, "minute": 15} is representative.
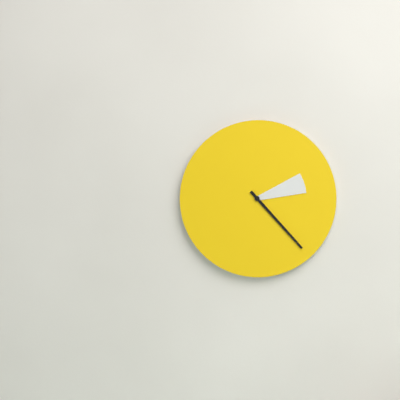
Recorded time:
{"hour": 2, "minute": 23}
